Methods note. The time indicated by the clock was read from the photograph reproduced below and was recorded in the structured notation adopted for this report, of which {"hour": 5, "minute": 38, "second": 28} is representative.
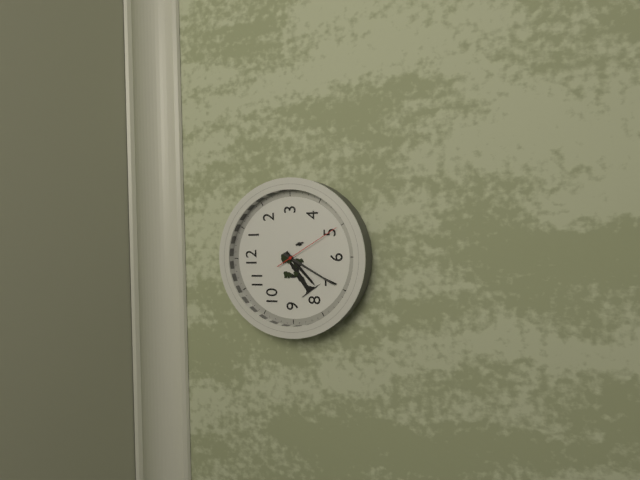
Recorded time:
{"hour": 7, "minute": 35, "second": 25}
